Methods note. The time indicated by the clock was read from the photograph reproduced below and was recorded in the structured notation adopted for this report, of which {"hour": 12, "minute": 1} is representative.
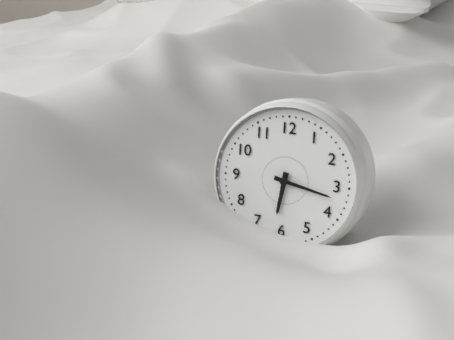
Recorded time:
{"hour": 6, "minute": 17}
